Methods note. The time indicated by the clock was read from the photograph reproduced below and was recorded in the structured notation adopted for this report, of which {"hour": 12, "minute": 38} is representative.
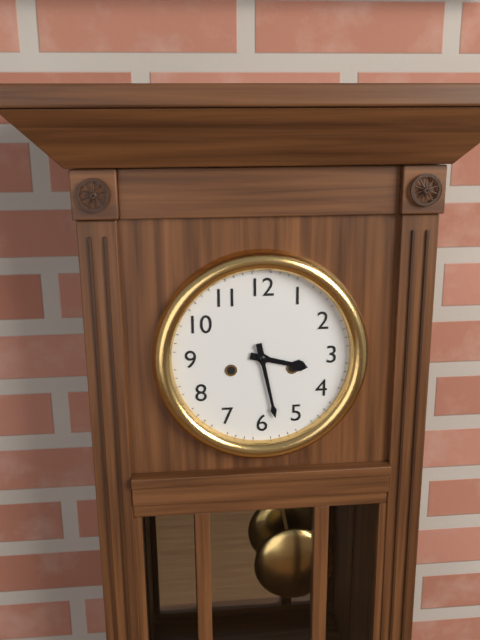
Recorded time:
{"hour": 3, "minute": 28}
